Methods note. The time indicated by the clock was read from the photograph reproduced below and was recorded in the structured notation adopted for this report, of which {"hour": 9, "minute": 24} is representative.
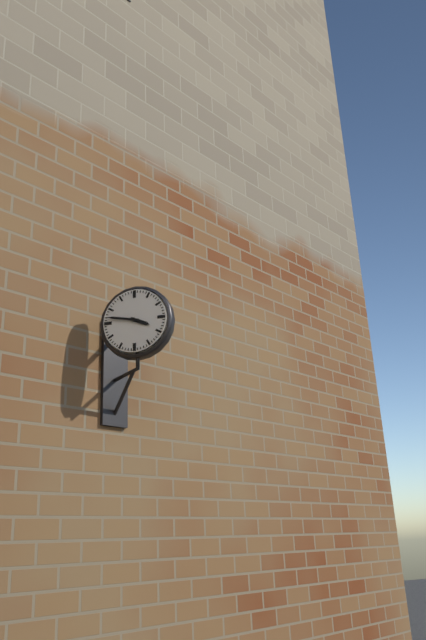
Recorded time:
{"hour": 3, "minute": 47}
